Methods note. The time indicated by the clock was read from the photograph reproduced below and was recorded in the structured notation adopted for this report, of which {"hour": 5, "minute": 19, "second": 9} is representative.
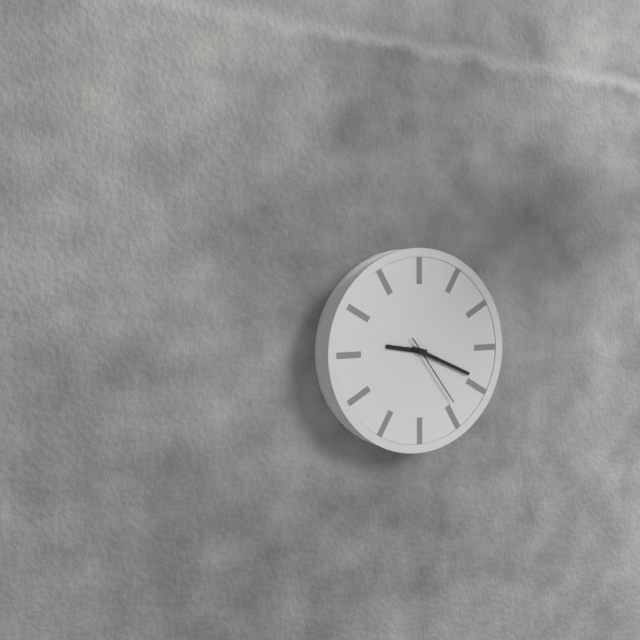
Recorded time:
{"hour": 9, "minute": 19, "second": 24}
